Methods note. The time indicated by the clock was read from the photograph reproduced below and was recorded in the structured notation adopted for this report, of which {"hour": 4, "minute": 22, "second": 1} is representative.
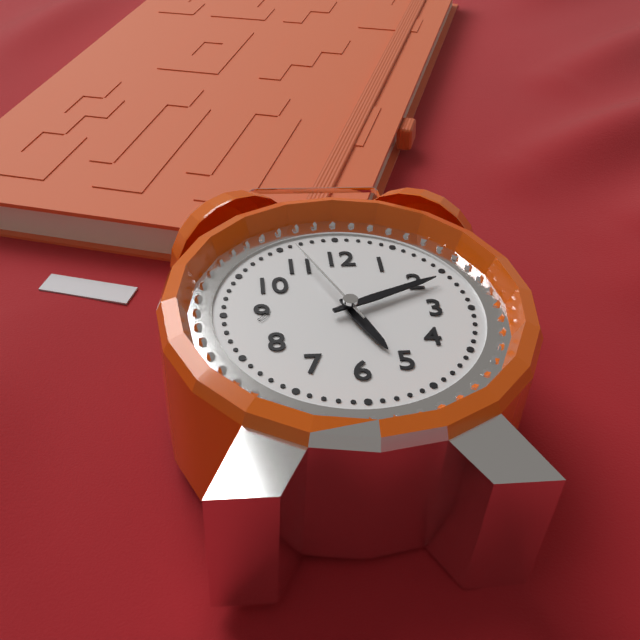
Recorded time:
{"hour": 5, "minute": 11, "second": 56}
